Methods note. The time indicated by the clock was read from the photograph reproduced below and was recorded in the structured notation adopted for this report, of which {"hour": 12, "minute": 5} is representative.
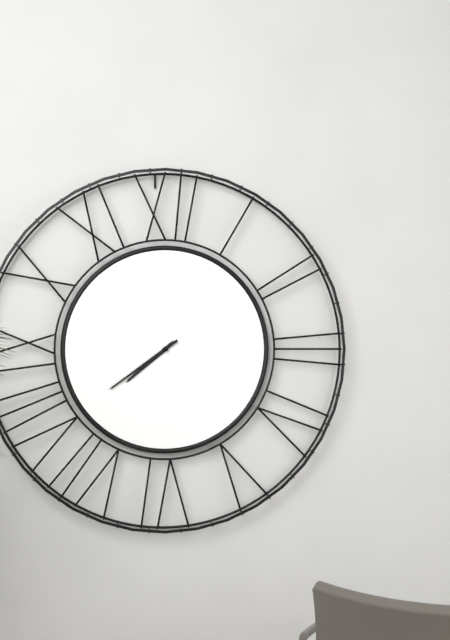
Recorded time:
{"hour": 7, "minute": 39}
